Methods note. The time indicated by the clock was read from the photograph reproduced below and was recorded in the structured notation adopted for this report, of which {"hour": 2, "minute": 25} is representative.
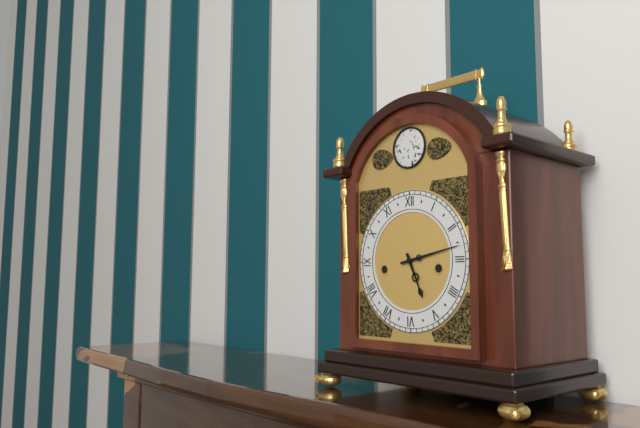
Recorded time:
{"hour": 5, "minute": 13}
